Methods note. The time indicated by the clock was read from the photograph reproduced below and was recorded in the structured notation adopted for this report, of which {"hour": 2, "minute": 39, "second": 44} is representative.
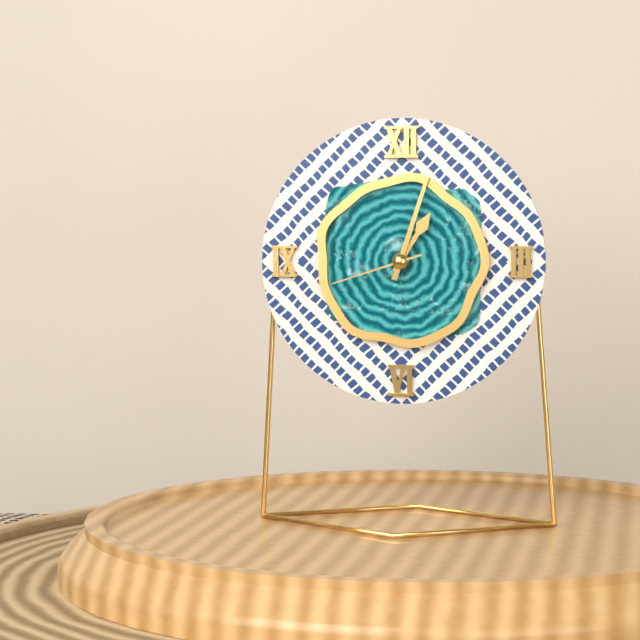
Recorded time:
{"hour": 1, "minute": 3, "second": 42}
